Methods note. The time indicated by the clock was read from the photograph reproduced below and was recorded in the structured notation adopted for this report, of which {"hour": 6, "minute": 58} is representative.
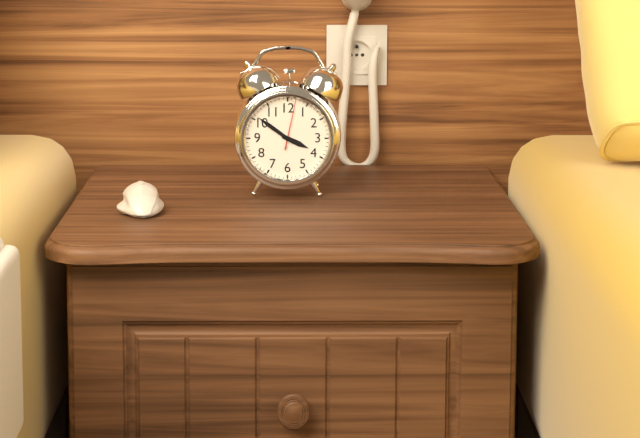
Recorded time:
{"hour": 3, "minute": 51}
